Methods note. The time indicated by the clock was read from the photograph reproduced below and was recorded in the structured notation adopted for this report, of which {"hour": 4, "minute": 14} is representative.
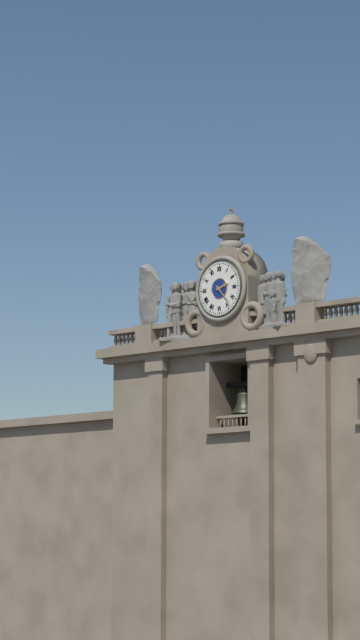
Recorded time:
{"hour": 2, "minute": 23}
